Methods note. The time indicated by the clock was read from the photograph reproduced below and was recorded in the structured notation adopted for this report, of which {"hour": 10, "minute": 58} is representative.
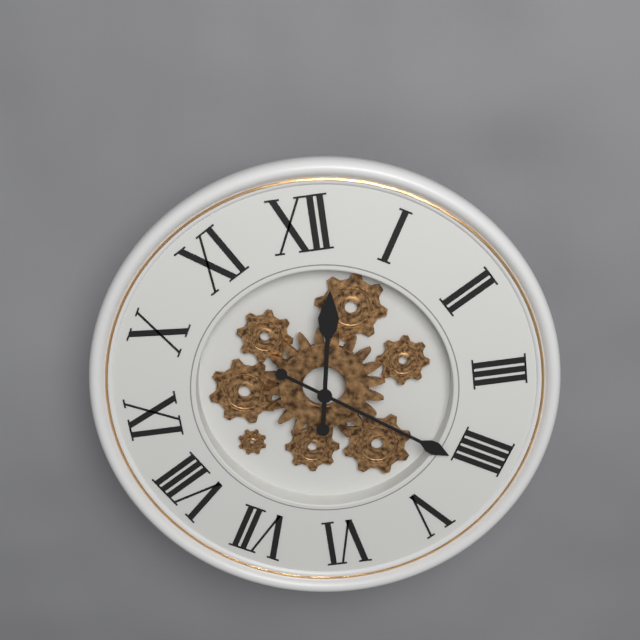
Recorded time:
{"hour": 12, "minute": 21}
